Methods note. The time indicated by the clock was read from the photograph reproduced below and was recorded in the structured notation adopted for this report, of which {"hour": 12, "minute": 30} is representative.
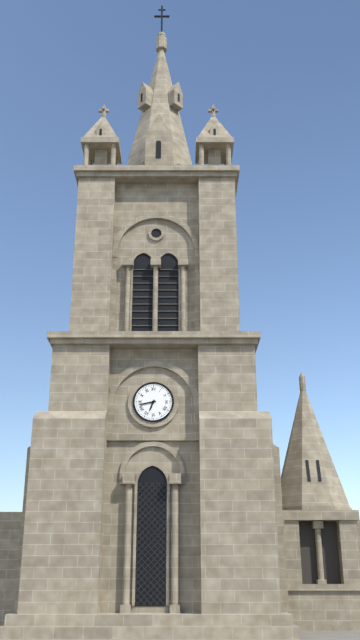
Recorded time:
{"hour": 6, "minute": 43}
